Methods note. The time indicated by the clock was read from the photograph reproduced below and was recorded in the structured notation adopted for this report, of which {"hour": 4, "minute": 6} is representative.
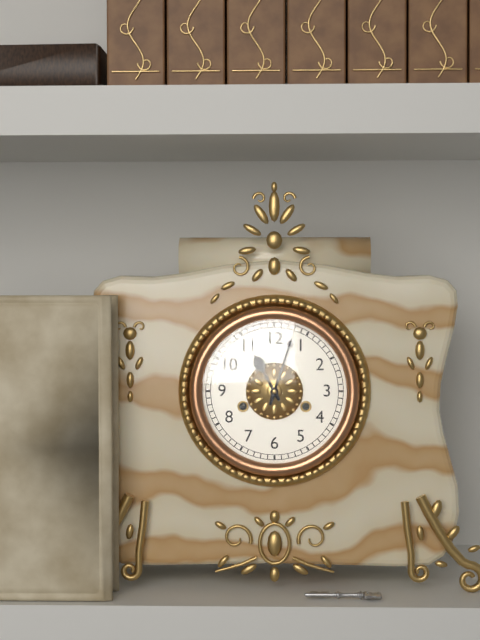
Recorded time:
{"hour": 11, "minute": 3}
